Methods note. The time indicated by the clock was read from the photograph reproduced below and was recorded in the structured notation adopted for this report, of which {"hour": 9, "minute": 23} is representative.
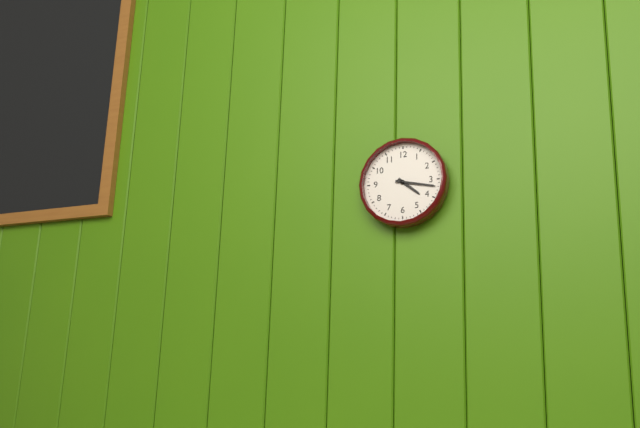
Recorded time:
{"hour": 4, "minute": 17}
